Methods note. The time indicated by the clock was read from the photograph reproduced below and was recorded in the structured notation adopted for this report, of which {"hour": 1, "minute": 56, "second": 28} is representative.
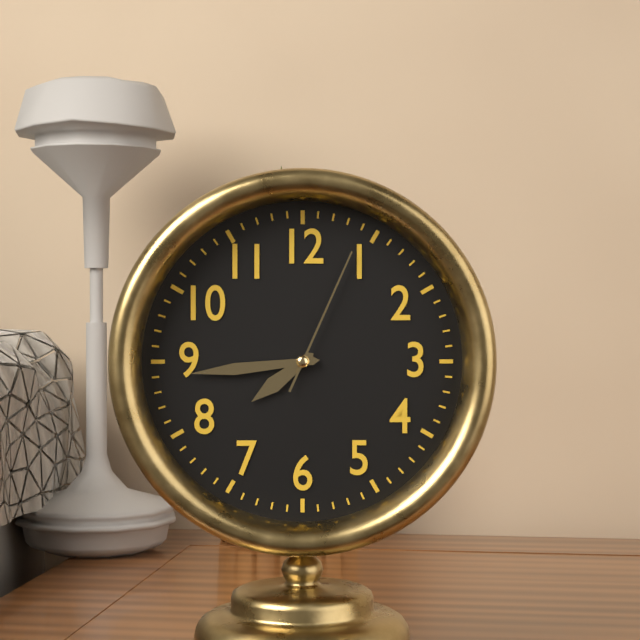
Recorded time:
{"hour": 7, "minute": 44, "second": 4}
